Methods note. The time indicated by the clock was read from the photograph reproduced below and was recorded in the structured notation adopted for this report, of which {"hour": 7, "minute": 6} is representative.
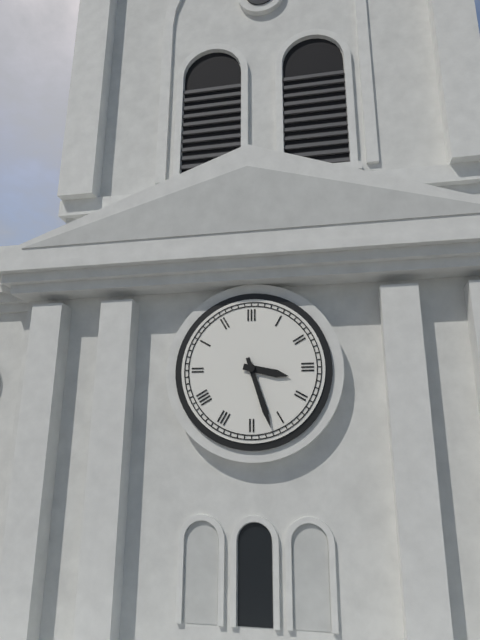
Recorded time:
{"hour": 3, "minute": 27}
